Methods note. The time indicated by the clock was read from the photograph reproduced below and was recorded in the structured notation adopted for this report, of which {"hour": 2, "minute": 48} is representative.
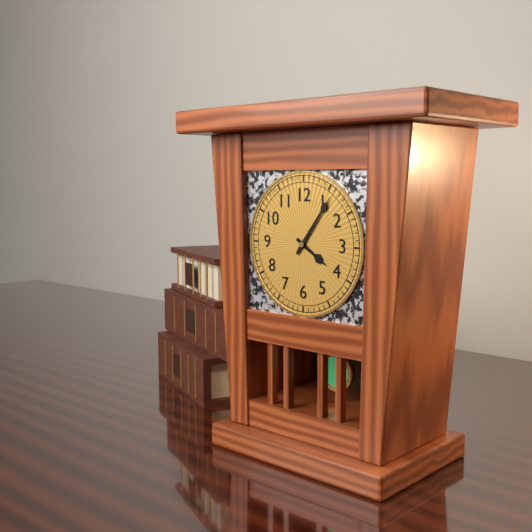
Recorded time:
{"hour": 4, "minute": 6}
